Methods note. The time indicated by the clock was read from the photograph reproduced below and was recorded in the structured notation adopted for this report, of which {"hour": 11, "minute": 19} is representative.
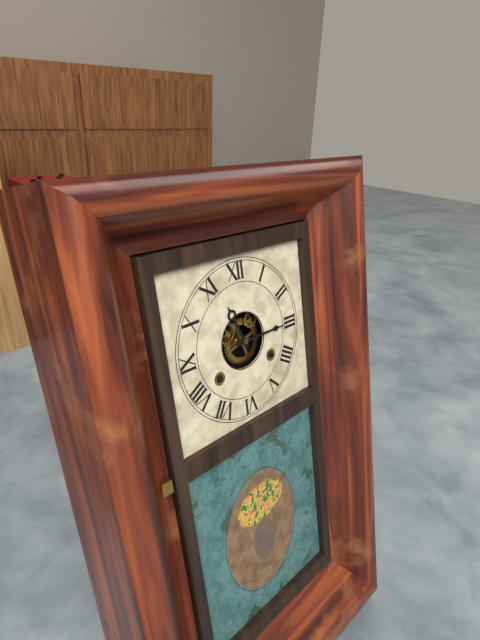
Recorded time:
{"hour": 11, "minute": 15}
